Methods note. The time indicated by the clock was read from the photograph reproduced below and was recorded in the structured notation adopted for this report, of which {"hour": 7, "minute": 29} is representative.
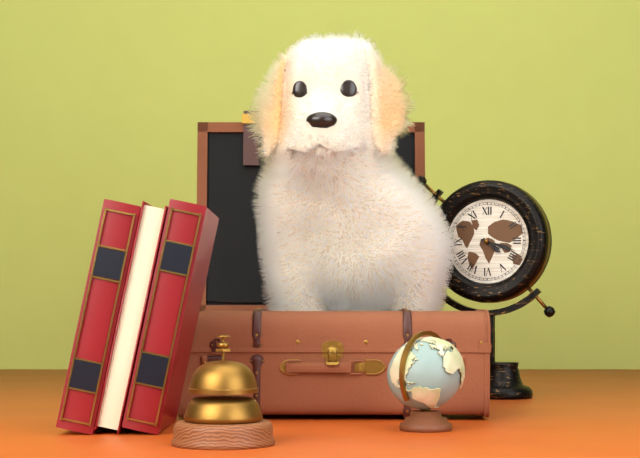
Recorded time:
{"hour": 4, "minute": 18}
